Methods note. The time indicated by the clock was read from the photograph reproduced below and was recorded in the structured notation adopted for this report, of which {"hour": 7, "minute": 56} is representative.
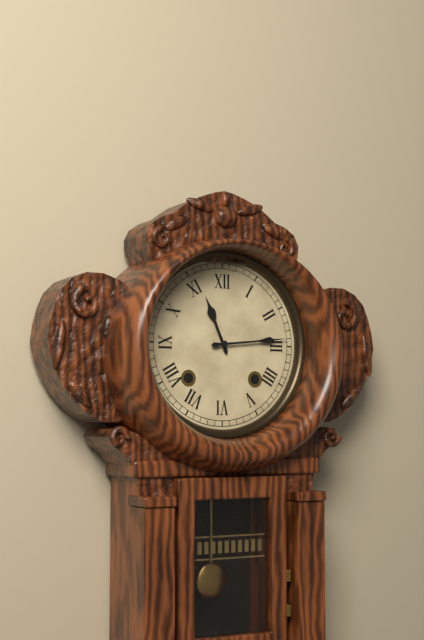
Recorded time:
{"hour": 11, "minute": 14}
